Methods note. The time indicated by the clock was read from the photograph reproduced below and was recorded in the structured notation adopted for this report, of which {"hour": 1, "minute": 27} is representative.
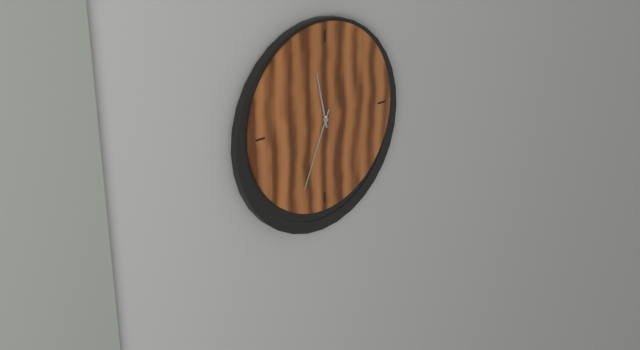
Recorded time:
{"hour": 11, "minute": 34}
